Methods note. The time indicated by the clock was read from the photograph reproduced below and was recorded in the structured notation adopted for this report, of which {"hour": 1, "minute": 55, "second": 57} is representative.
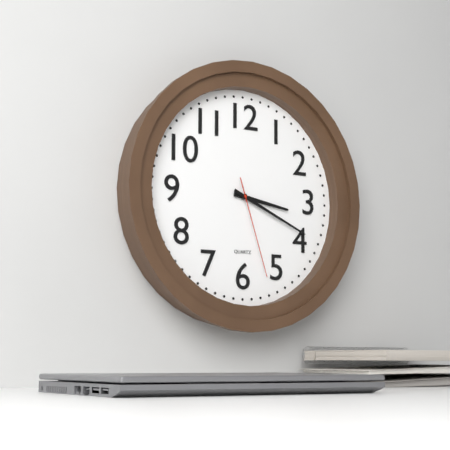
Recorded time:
{"hour": 3, "minute": 19, "second": 27}
